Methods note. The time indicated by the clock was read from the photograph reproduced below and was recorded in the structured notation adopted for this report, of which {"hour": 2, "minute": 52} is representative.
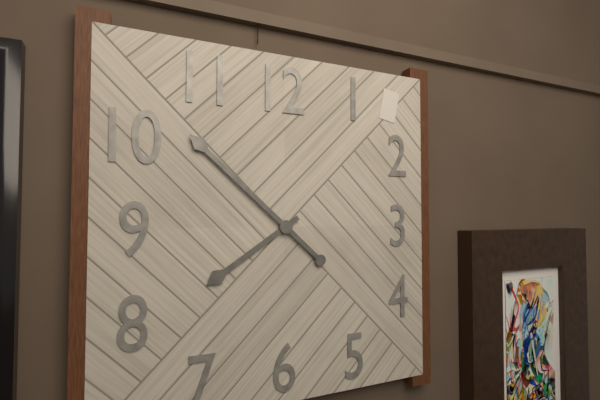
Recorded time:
{"hour": 7, "minute": 52}
